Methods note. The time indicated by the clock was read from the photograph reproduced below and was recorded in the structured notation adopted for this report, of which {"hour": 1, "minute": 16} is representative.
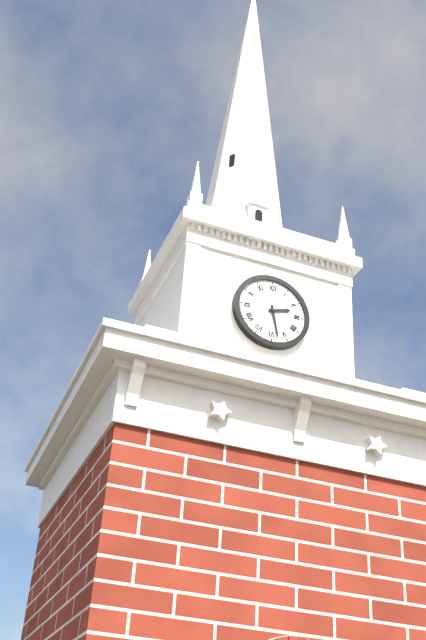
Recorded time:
{"hour": 2, "minute": 28}
